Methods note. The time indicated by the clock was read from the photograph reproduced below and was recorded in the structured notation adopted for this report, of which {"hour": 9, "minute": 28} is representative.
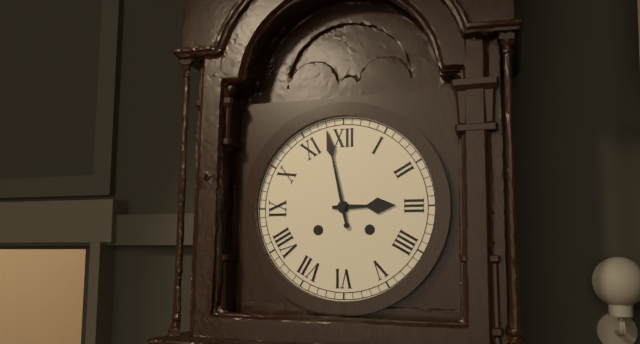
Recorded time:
{"hour": 2, "minute": 58}
